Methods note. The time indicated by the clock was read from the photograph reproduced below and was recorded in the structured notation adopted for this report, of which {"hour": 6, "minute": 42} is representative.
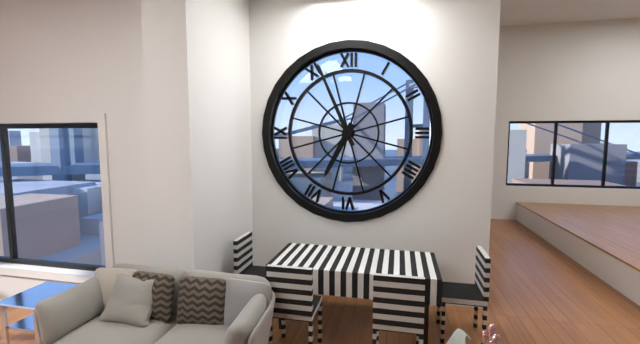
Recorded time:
{"hour": 6, "minute": 56}
